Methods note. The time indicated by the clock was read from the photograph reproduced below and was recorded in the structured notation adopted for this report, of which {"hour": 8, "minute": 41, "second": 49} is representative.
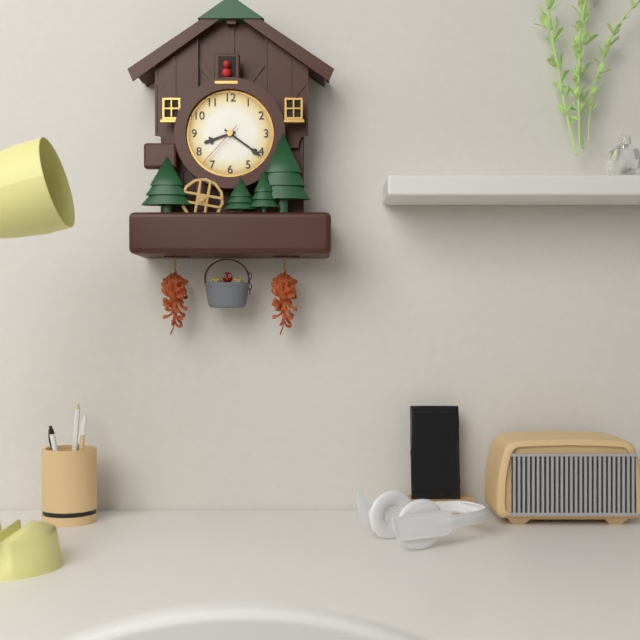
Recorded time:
{"hour": 8, "minute": 21, "second": 37}
